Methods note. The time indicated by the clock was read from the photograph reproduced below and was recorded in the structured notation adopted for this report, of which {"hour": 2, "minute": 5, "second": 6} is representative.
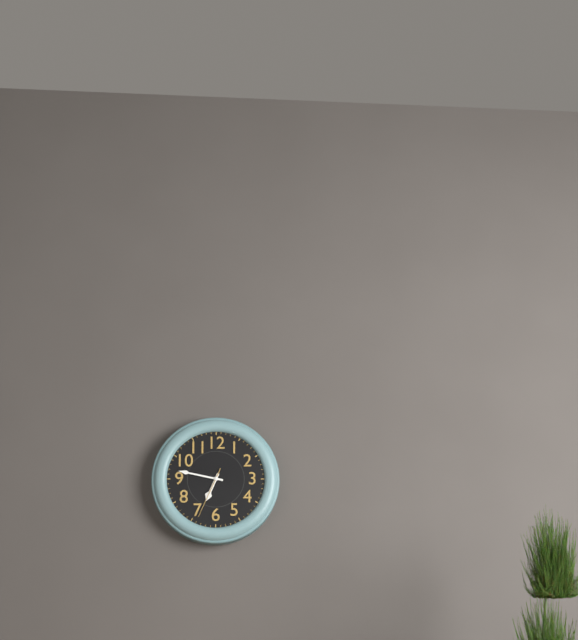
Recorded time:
{"hour": 6, "minute": 47, "second": 34}
